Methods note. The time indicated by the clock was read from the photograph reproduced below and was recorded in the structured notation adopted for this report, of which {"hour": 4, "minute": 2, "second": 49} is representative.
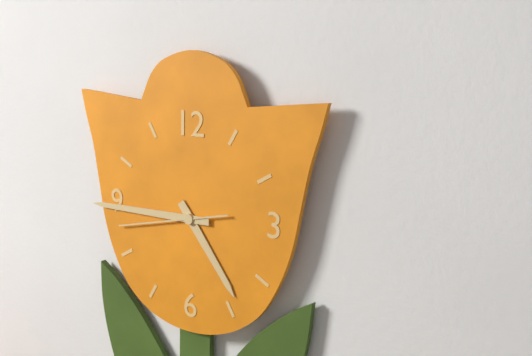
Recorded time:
{"hour": 4, "minute": 45, "second": 43}
